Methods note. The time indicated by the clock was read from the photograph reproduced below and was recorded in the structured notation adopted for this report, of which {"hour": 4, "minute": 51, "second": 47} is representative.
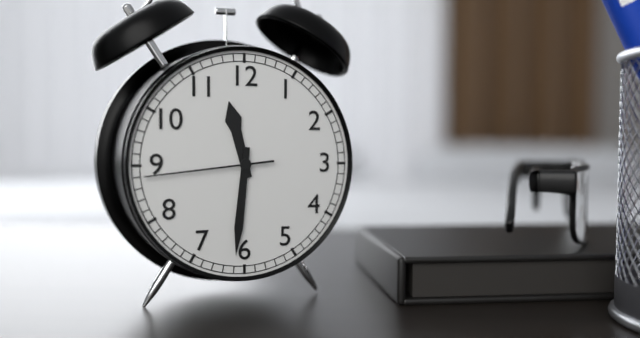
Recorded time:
{"hour": 11, "minute": 31, "second": 44}
